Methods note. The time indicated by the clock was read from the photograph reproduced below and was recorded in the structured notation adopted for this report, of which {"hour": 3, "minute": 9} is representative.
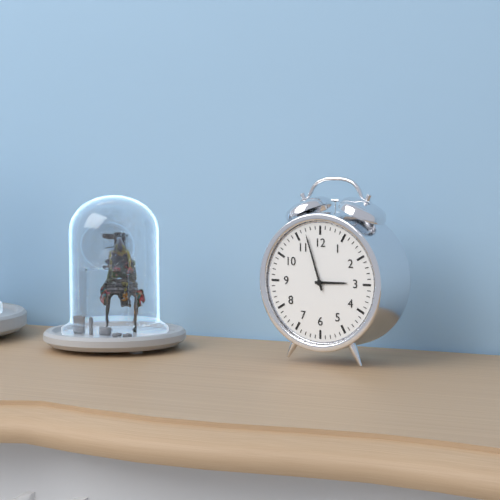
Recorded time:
{"hour": 2, "minute": 57}
